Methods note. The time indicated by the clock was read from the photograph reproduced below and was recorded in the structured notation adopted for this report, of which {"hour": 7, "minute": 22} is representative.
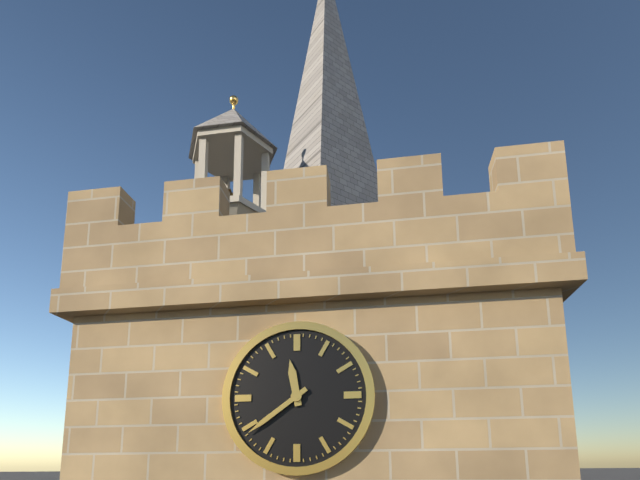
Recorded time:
{"hour": 11, "minute": 39}
